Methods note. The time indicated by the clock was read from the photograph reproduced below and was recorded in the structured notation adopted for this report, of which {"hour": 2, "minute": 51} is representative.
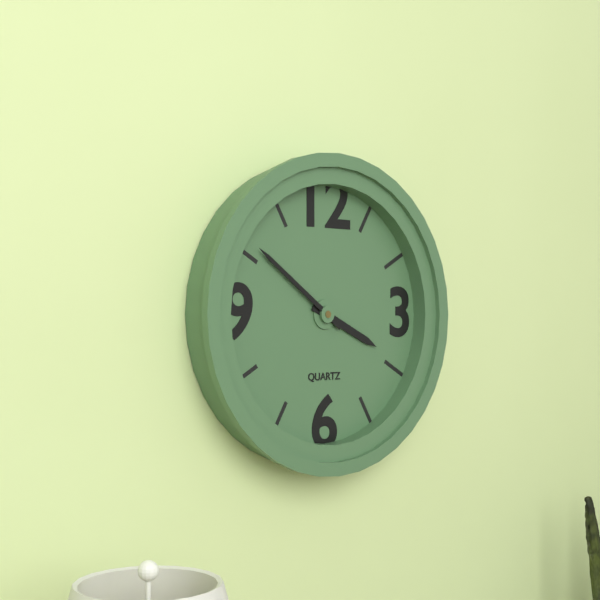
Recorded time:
{"hour": 3, "minute": 51}
